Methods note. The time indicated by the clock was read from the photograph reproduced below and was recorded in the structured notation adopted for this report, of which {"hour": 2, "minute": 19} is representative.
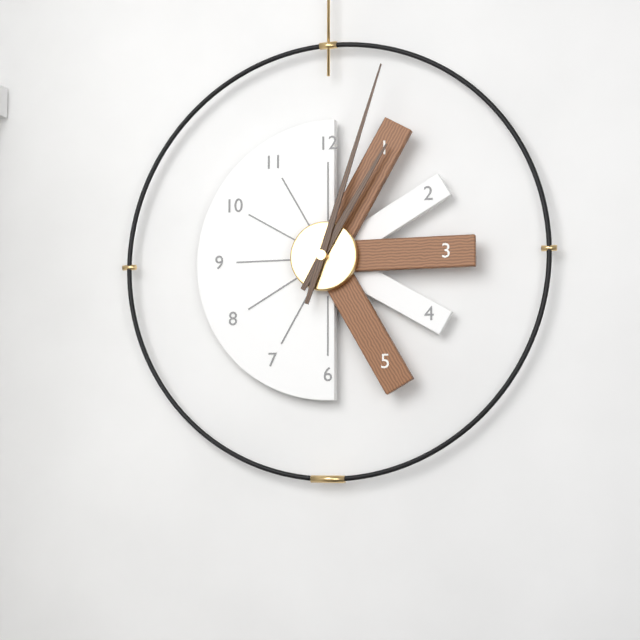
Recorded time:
{"hour": 1, "minute": 3}
